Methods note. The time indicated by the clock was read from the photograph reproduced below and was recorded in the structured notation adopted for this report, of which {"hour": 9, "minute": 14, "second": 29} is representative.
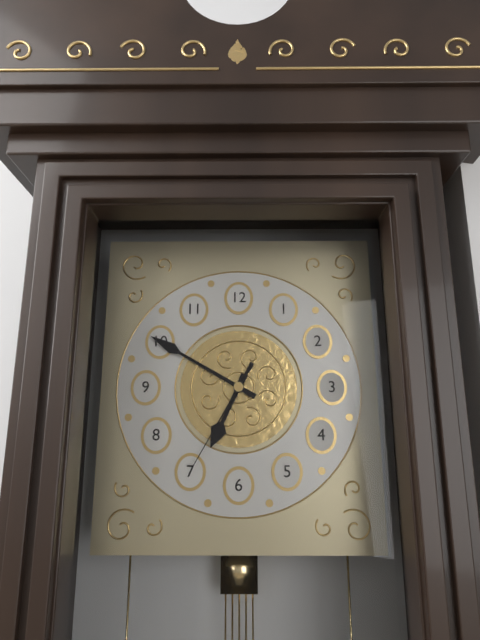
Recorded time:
{"hour": 6, "minute": 50, "second": 35}
